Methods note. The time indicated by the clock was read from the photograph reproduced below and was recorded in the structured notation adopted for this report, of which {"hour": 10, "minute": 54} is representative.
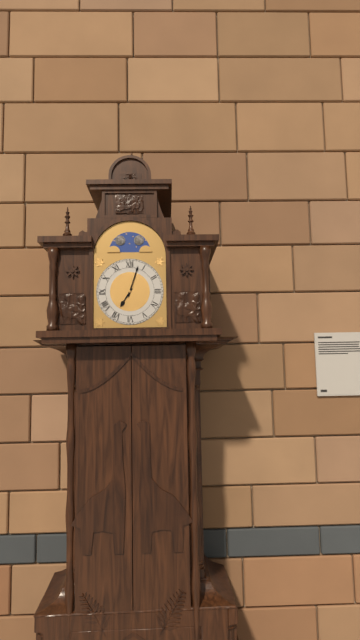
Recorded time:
{"hour": 7, "minute": 3}
